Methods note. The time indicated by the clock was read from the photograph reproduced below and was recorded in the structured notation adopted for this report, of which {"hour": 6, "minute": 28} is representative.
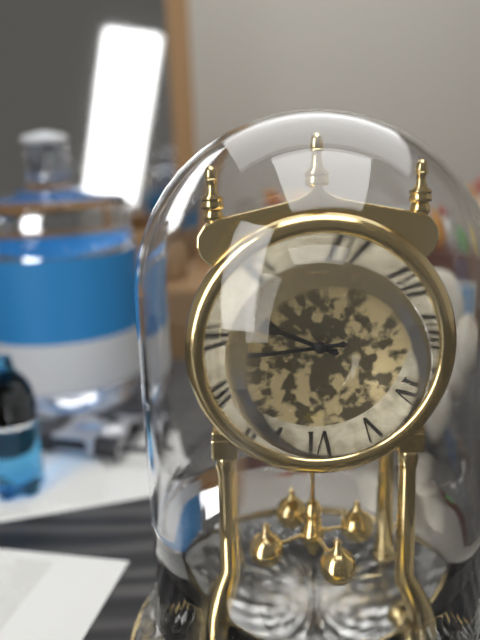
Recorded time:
{"hour": 9, "minute": 44}
